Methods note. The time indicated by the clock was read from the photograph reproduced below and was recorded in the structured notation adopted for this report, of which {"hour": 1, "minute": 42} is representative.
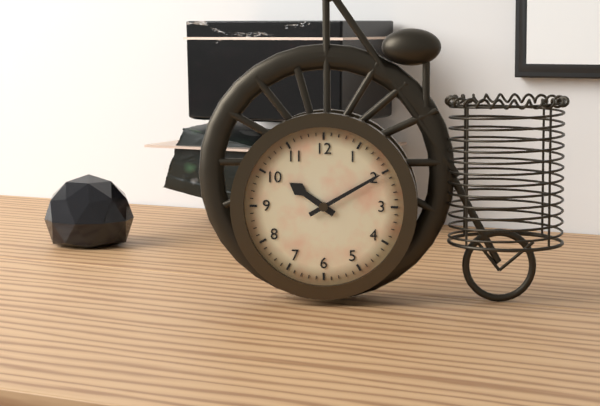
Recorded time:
{"hour": 10, "minute": 10}
